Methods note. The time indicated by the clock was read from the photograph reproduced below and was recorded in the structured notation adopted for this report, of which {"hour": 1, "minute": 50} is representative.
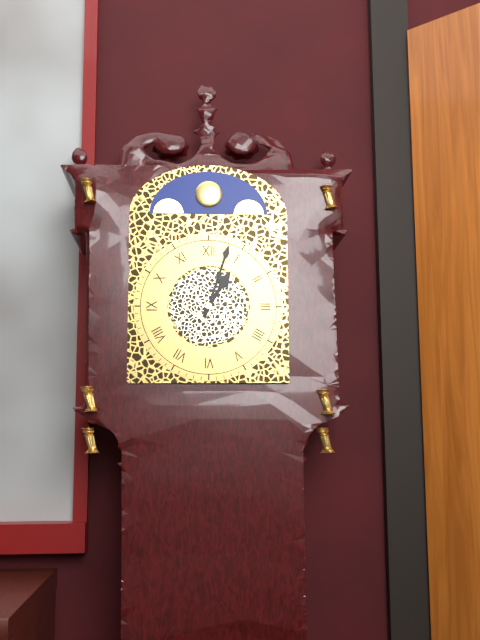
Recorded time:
{"hour": 1, "minute": 3}
